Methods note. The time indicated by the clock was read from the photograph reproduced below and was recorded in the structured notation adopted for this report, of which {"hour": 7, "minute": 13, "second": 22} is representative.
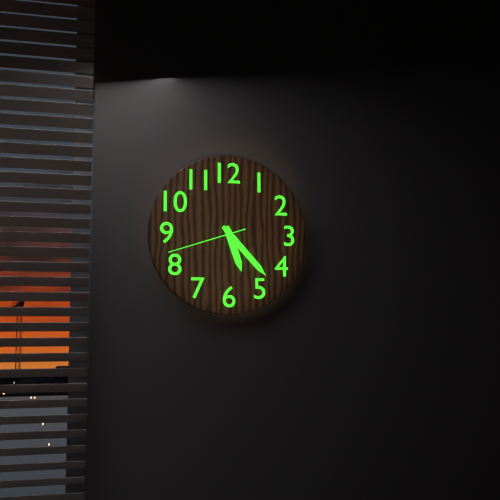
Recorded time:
{"hour": 5, "minute": 23, "second": 42}
